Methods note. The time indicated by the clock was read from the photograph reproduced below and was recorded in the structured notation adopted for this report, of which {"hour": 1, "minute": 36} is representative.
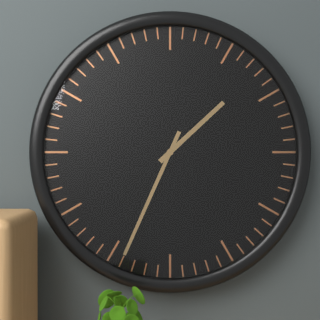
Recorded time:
{"hour": 1, "minute": 34}
